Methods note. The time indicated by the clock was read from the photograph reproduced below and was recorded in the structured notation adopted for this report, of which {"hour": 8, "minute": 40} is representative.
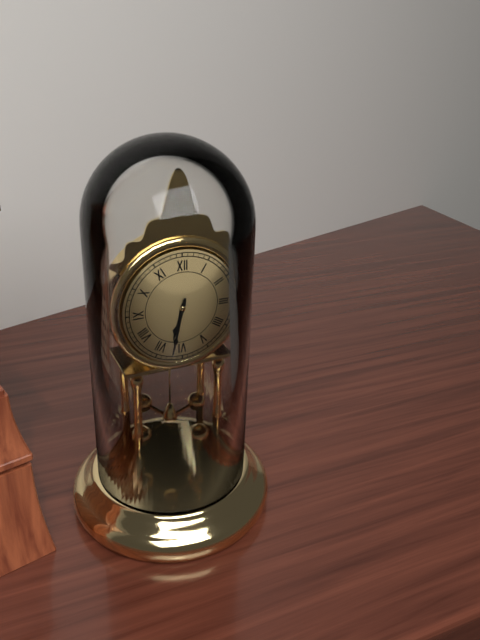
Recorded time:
{"hour": 6, "minute": 32}
